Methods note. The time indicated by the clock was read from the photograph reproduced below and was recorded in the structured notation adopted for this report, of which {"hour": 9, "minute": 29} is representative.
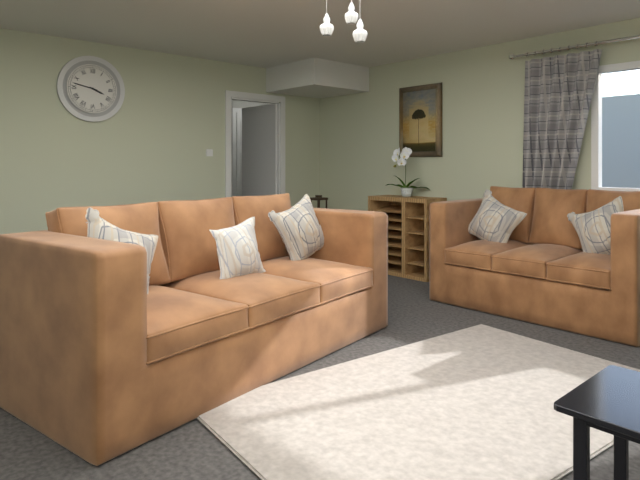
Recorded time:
{"hour": 3, "minute": 47}
